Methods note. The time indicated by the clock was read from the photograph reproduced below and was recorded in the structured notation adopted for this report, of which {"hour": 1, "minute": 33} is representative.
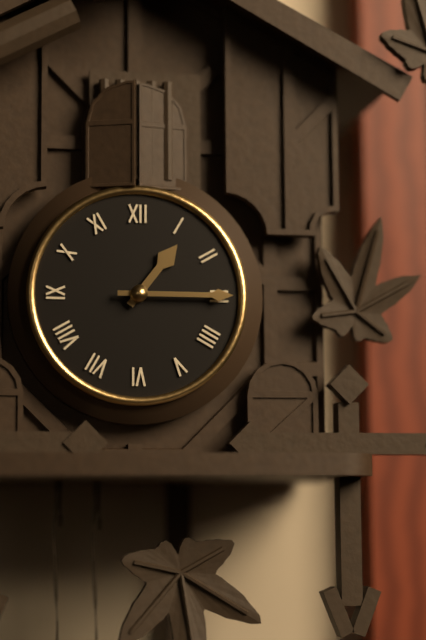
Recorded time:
{"hour": 1, "minute": 15}
